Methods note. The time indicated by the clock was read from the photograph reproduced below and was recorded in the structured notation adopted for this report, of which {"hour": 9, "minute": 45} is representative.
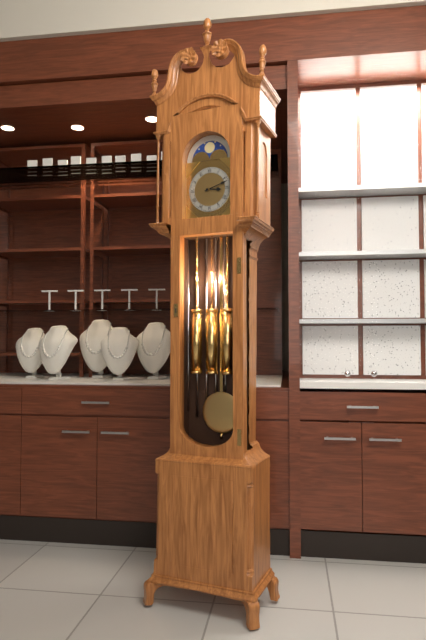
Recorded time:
{"hour": 3, "minute": 12}
